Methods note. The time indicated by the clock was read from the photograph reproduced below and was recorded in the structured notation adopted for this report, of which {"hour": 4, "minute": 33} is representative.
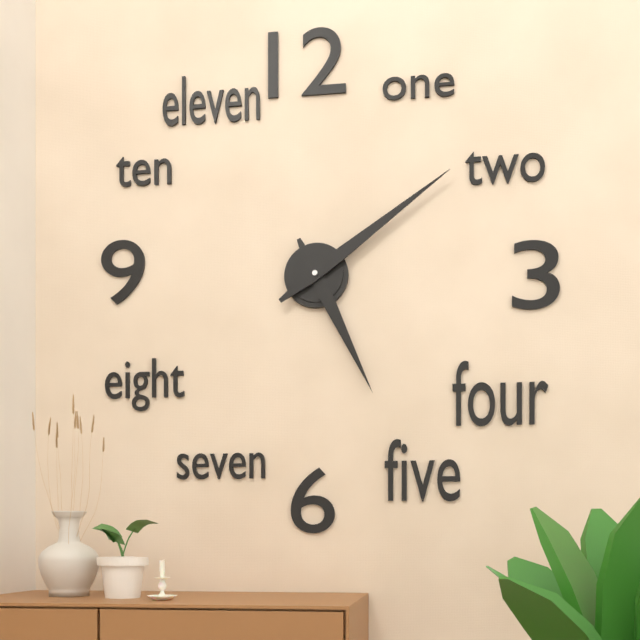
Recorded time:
{"hour": 5, "minute": 9}
